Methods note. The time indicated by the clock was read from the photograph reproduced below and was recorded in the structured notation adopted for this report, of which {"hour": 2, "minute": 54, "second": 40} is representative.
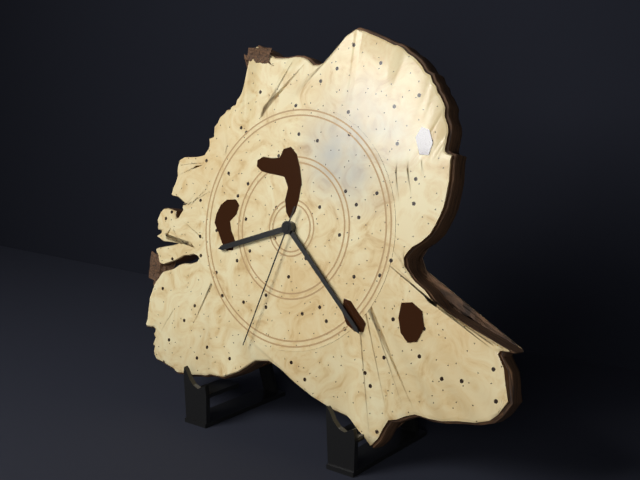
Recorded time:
{"hour": 8, "minute": 22, "second": 33}
